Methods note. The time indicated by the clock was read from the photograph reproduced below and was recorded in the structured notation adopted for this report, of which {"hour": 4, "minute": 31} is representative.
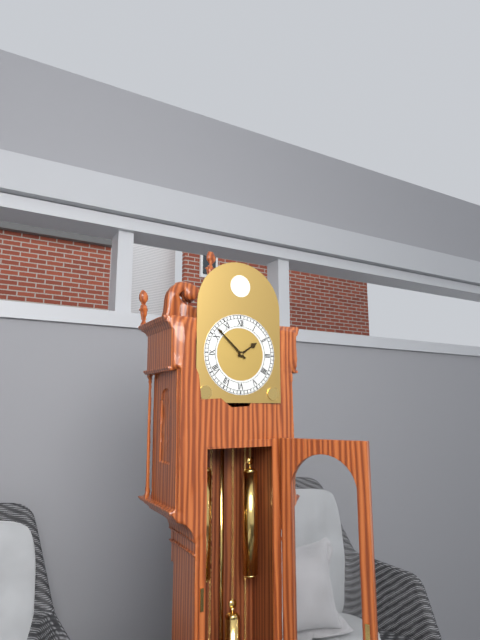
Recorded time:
{"hour": 1, "minute": 52}
